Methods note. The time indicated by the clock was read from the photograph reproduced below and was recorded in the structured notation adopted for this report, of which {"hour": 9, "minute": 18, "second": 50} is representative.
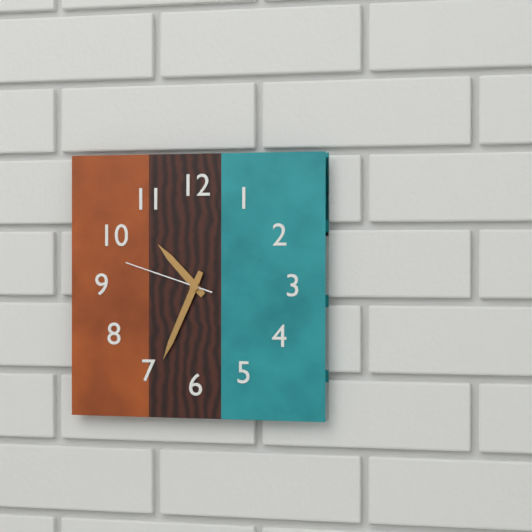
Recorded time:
{"hour": 10, "minute": 34, "second": 48}
